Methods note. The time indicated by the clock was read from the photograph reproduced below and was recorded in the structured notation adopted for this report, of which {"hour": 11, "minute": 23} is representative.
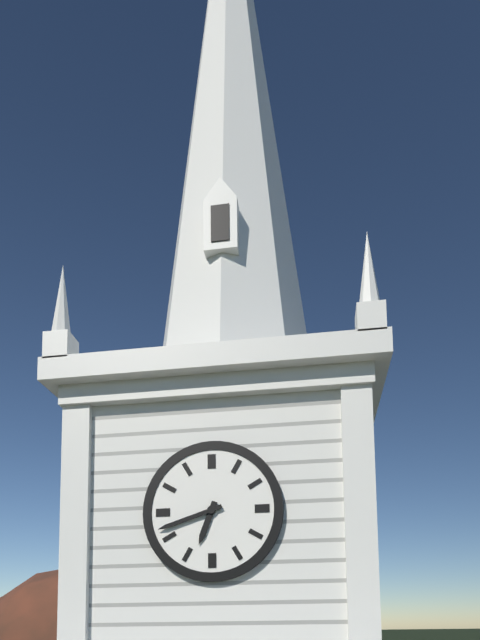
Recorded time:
{"hour": 6, "minute": 42}
